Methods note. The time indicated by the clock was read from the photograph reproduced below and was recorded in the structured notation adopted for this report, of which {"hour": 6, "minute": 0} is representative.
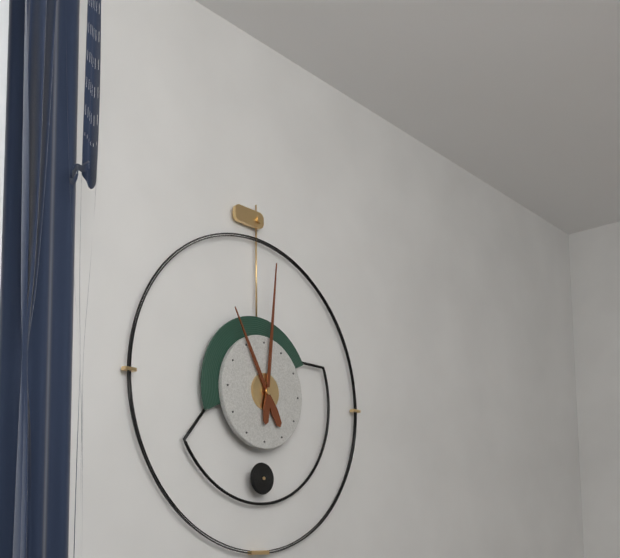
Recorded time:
{"hour": 11, "minute": 1}
